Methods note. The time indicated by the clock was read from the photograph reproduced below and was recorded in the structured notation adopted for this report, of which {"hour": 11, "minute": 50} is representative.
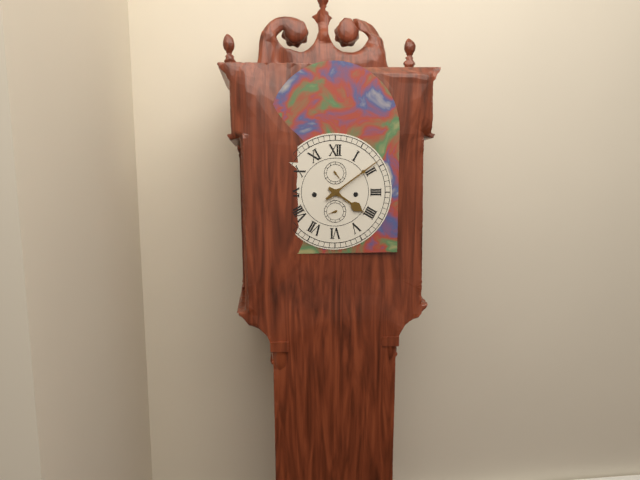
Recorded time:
{"hour": 4, "minute": 9}
